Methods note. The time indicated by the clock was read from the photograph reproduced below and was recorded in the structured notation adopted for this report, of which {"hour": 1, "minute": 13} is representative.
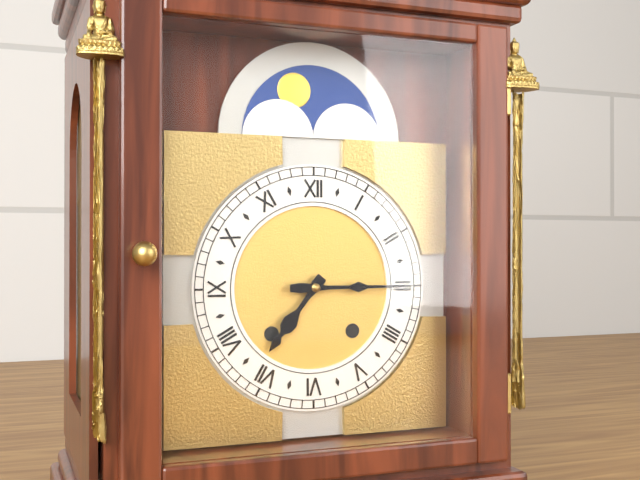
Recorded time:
{"hour": 7, "minute": 15}
